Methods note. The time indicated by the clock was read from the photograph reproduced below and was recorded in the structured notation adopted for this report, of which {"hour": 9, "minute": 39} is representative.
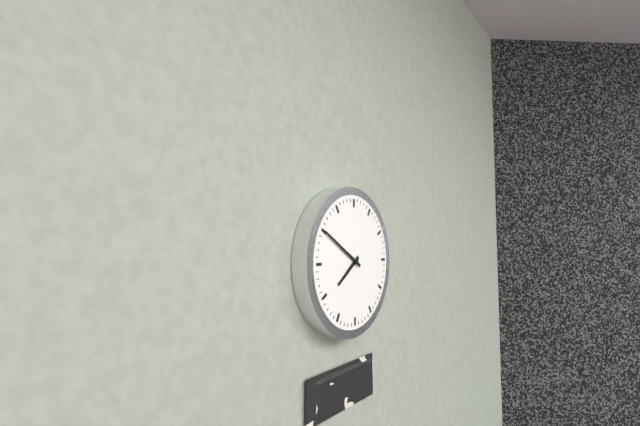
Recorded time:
{"hour": 7, "minute": 50}
